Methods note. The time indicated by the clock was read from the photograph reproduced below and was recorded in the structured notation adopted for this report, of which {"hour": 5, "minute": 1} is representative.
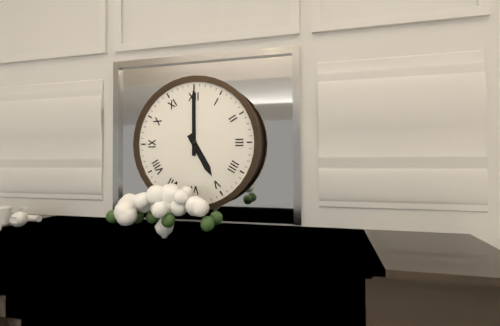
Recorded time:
{"hour": 5, "minute": 0}
